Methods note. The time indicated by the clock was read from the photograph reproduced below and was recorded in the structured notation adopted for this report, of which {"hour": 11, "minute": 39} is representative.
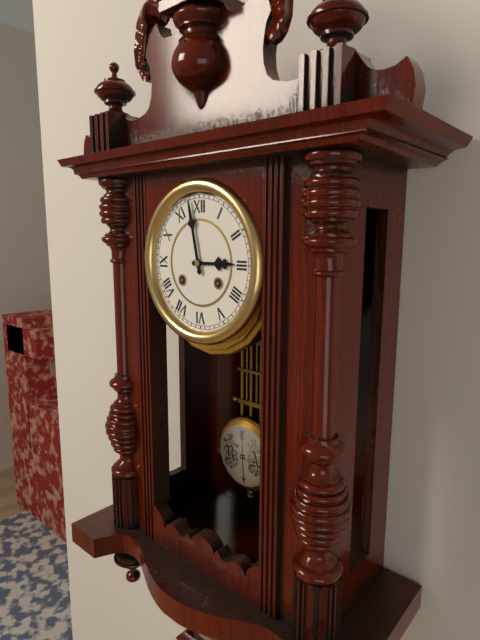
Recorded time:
{"hour": 2, "minute": 58}
